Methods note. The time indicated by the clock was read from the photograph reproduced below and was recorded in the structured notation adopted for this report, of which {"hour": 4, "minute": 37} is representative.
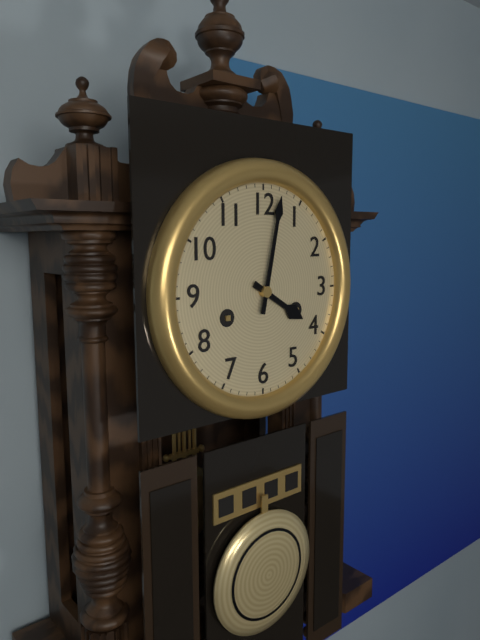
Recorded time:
{"hour": 4, "minute": 2}
